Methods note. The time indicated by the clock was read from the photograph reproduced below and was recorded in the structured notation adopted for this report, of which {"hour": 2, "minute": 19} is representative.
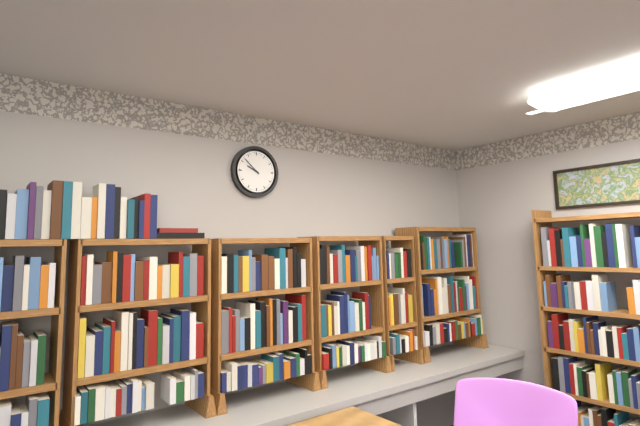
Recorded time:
{"hour": 9, "minute": 52}
